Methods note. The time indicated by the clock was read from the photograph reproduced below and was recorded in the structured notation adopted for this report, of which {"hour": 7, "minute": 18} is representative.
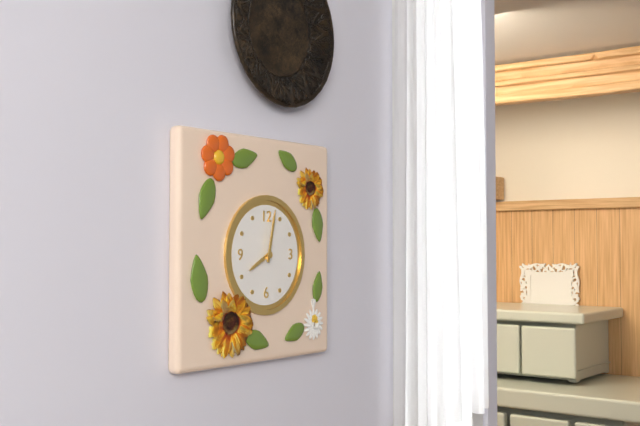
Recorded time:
{"hour": 8, "minute": 2}
